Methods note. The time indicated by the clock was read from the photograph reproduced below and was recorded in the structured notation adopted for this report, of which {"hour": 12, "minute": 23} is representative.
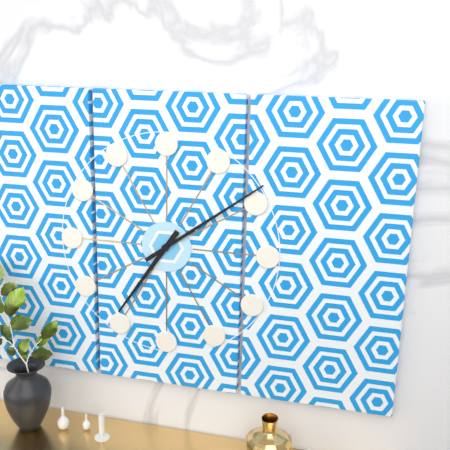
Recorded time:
{"hour": 7, "minute": 9}
